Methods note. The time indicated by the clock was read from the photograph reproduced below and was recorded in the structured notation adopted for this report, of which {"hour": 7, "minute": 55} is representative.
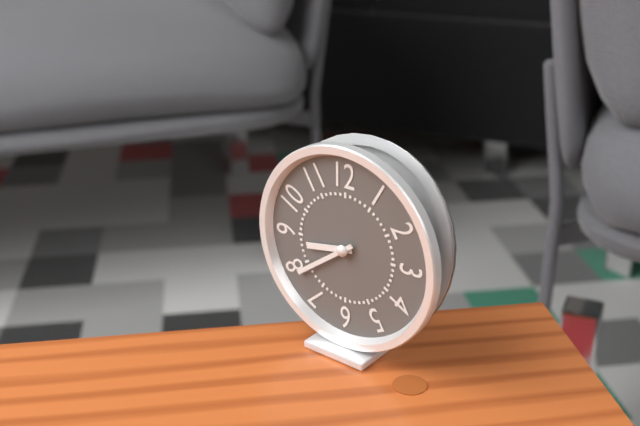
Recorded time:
{"hour": 8, "minute": 39}
